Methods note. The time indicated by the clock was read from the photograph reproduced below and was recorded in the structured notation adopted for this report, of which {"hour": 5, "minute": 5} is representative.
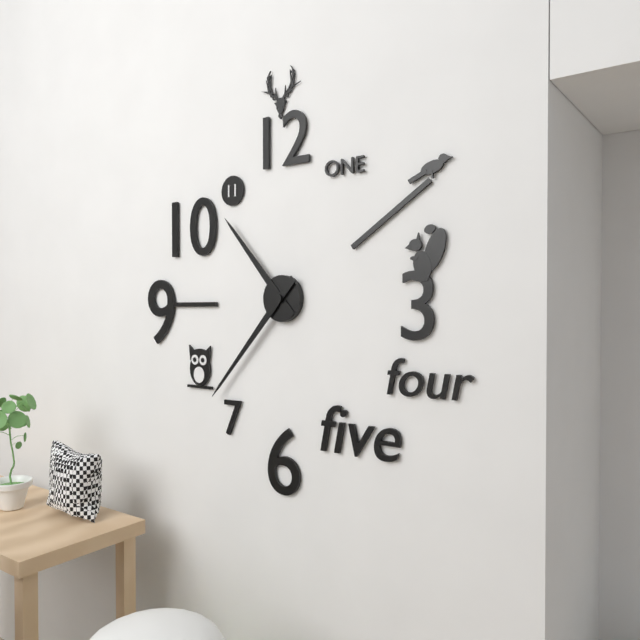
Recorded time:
{"hour": 10, "minute": 37}
